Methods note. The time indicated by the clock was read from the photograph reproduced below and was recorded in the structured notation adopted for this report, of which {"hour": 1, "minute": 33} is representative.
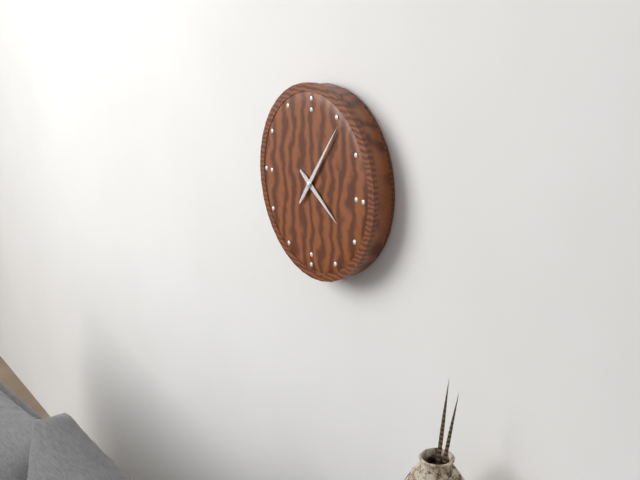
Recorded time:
{"hour": 4, "minute": 6}
